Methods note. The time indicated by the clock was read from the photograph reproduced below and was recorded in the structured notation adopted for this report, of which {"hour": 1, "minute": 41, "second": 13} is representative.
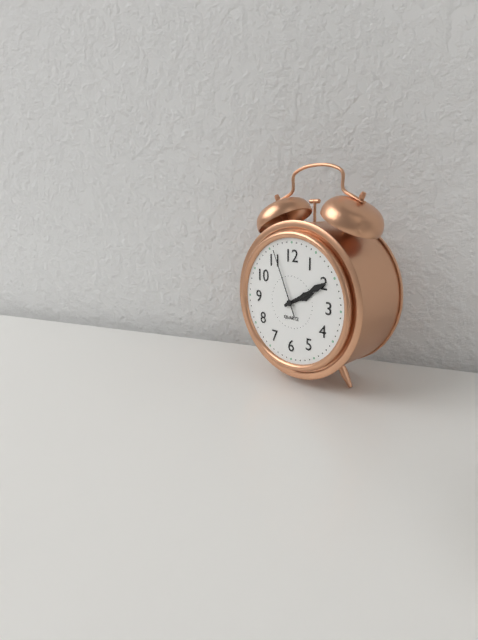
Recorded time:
{"hour": 2, "minute": 10, "second": 56}
